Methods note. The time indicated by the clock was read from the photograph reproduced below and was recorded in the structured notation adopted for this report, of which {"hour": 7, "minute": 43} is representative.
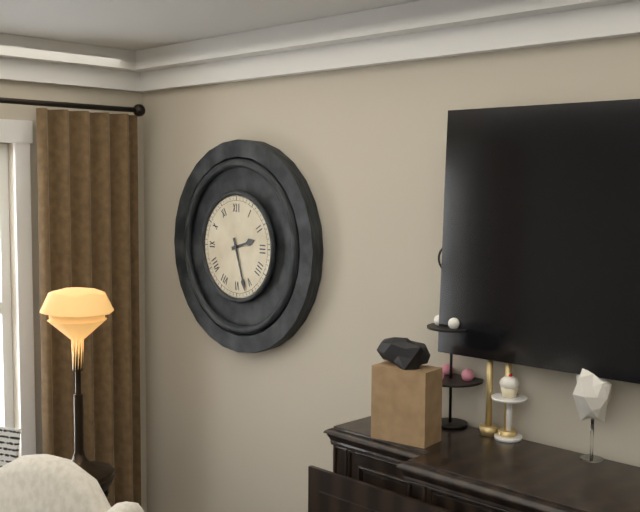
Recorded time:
{"hour": 2, "minute": 27}
